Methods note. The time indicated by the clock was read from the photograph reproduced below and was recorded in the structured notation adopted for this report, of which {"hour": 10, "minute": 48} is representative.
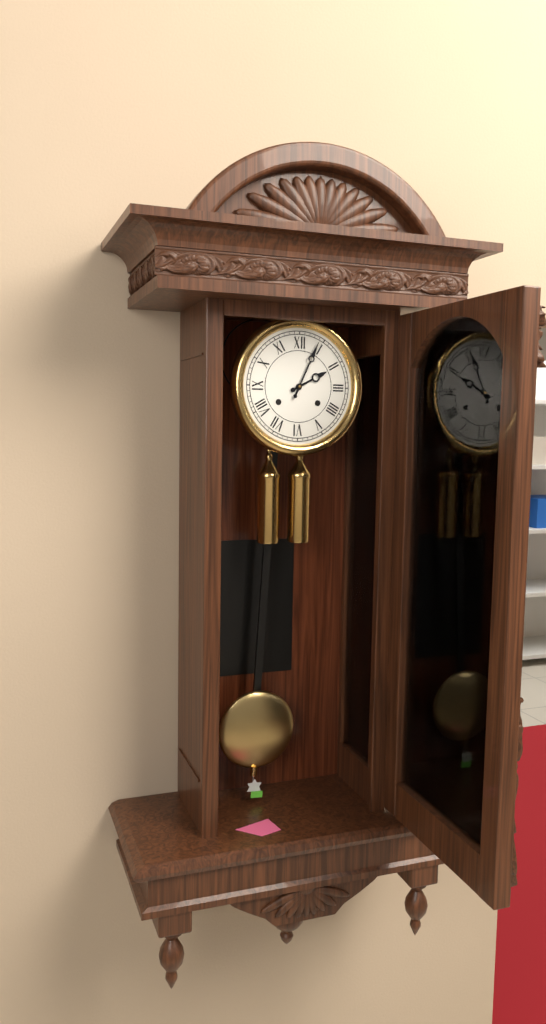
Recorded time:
{"hour": 2, "minute": 4}
